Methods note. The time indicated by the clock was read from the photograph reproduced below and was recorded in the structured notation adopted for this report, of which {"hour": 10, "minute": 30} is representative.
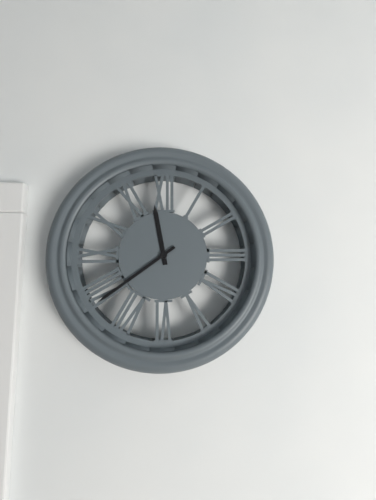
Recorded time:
{"hour": 11, "minute": 39}
